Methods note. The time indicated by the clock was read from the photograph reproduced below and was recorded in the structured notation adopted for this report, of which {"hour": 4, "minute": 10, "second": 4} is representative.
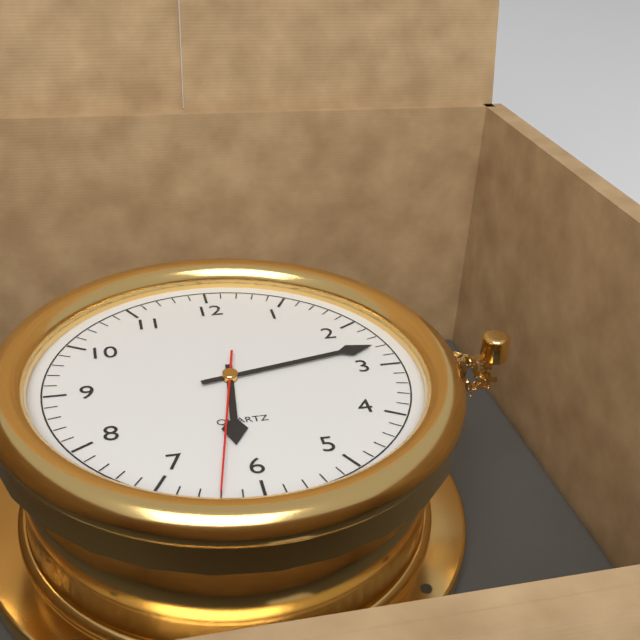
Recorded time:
{"hour": 6, "minute": 13, "second": 32}
